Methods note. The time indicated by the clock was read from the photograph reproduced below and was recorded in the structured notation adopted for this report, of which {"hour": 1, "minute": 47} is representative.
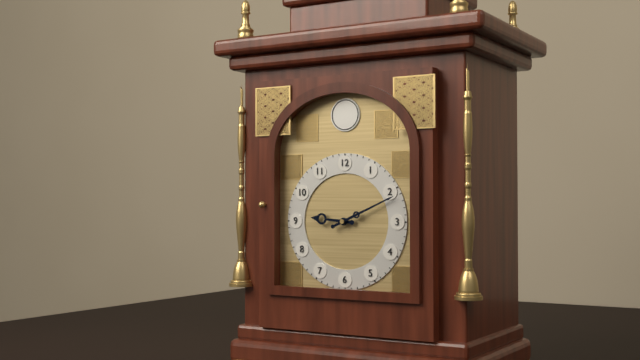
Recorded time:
{"hour": 9, "minute": 11}
